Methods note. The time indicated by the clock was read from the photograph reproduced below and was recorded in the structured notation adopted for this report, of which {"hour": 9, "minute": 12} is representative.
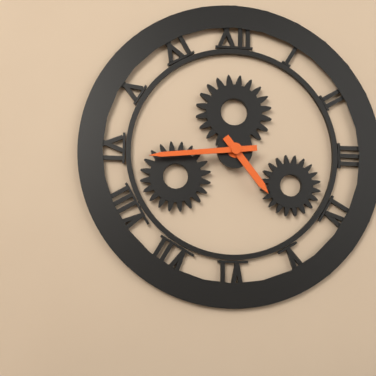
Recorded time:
{"hour": 4, "minute": 44}
